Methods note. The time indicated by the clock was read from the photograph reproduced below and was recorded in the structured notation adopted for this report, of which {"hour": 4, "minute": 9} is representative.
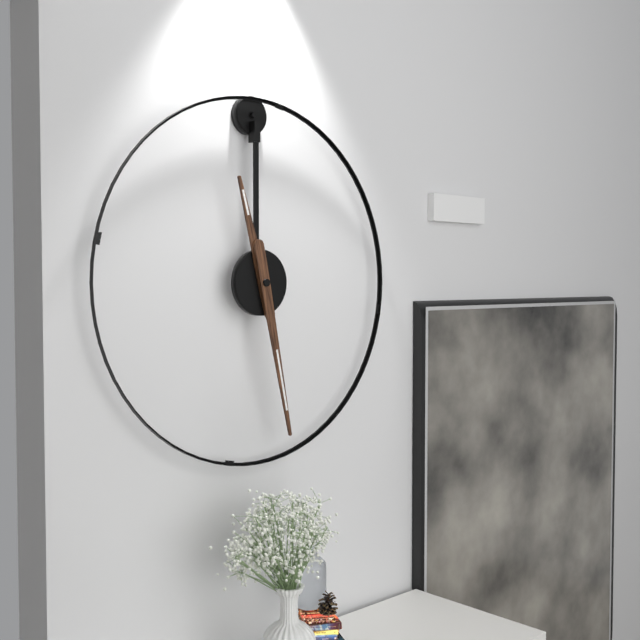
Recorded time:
{"hour": 11, "minute": 28}
